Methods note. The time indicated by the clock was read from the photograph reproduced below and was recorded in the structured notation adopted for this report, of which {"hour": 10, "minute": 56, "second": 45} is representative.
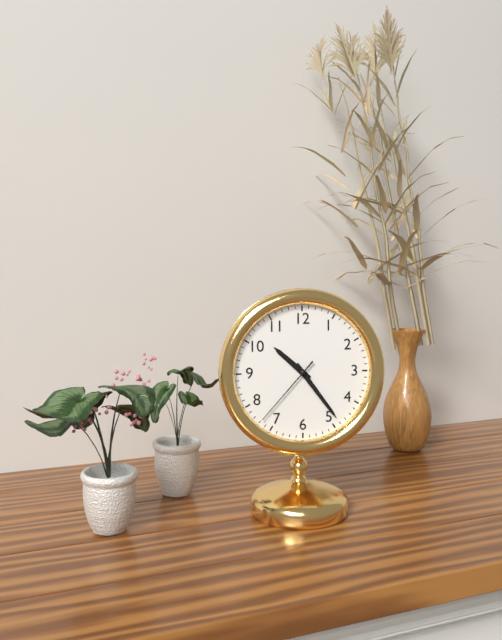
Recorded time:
{"hour": 10, "minute": 24, "second": 37}
